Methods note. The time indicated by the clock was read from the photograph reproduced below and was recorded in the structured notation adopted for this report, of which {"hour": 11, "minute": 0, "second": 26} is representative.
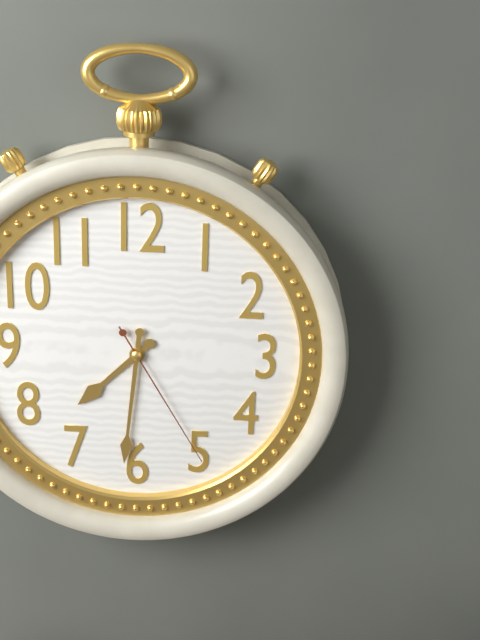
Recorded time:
{"hour": 7, "minute": 31, "second": 25}
